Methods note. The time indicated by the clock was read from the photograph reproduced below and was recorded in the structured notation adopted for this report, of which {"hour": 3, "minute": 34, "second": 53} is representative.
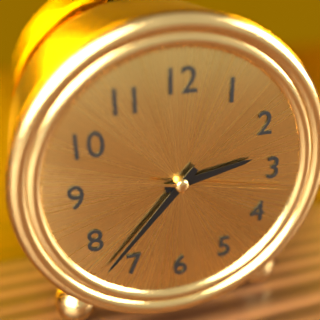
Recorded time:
{"hour": 2, "minute": 37, "second": 17}
